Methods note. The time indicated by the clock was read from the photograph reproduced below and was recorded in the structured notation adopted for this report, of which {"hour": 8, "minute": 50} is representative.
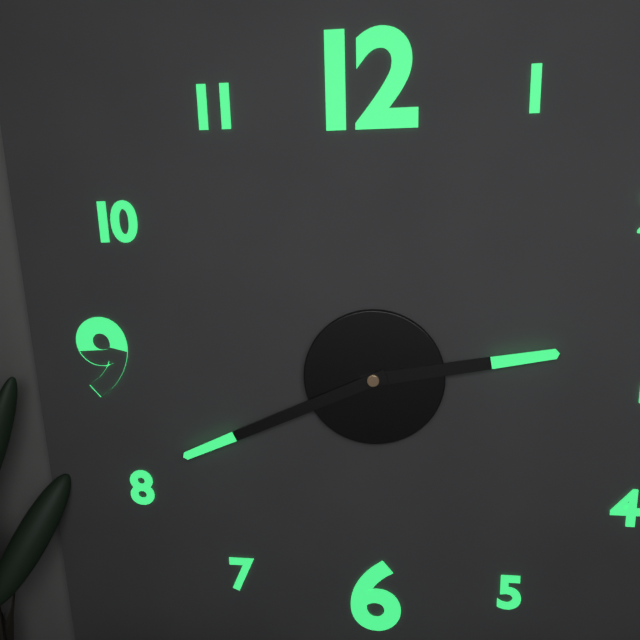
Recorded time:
{"hour": 2, "minute": 41}
